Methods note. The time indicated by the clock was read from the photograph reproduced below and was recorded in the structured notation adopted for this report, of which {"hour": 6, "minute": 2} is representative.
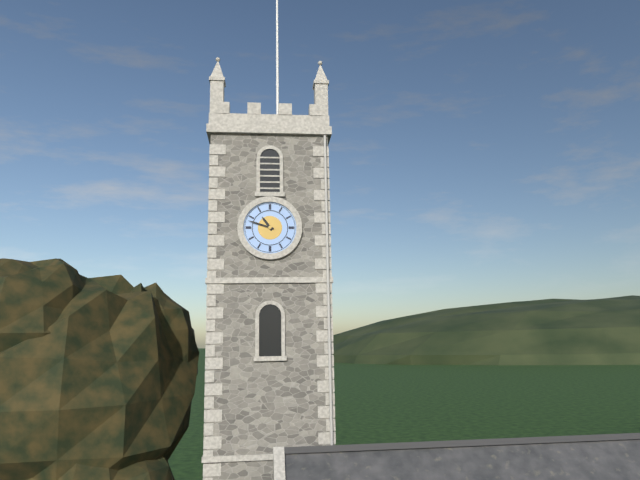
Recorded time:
{"hour": 10, "minute": 48}
